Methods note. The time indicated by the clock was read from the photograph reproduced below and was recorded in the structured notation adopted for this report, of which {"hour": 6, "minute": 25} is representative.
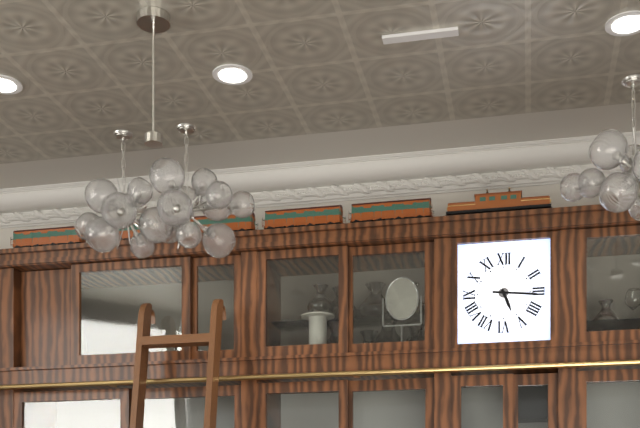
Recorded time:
{"hour": 5, "minute": 16}
